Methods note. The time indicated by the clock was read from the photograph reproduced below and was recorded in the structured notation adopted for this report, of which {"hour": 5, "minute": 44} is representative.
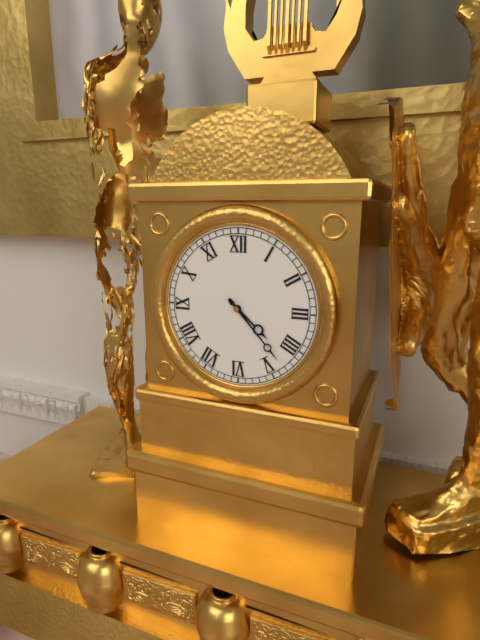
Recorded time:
{"hour": 4, "minute": 23}
